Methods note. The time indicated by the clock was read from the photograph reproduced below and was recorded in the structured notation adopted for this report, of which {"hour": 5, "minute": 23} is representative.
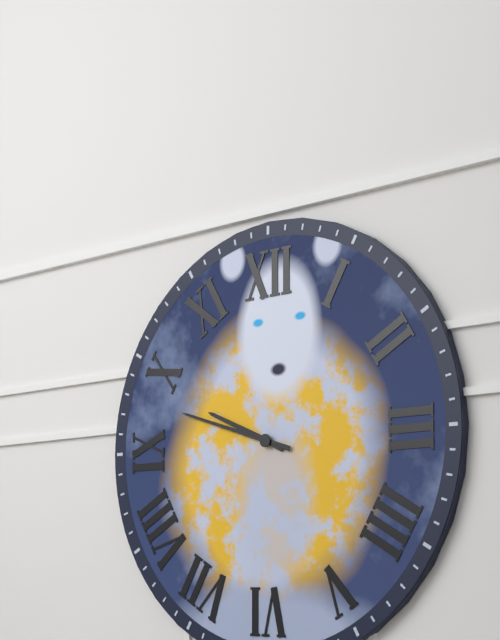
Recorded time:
{"hour": 9, "minute": 48}
